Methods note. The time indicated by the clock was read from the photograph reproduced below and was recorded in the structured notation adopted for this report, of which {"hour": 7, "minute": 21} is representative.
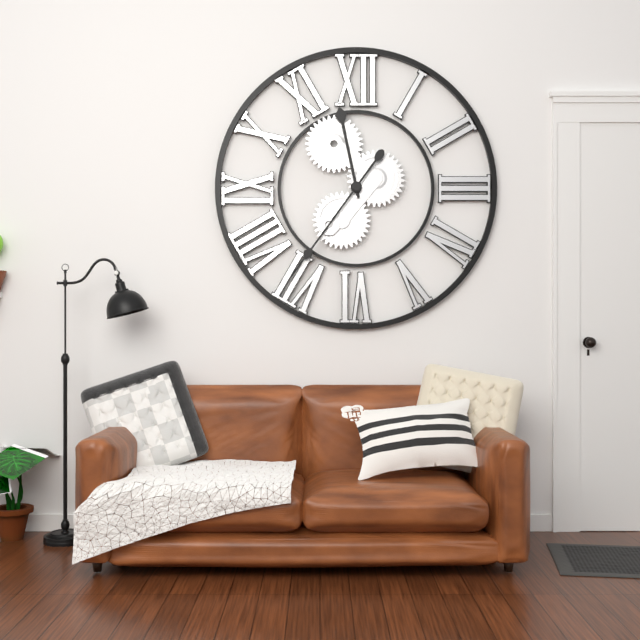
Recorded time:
{"hour": 11, "minute": 36}
